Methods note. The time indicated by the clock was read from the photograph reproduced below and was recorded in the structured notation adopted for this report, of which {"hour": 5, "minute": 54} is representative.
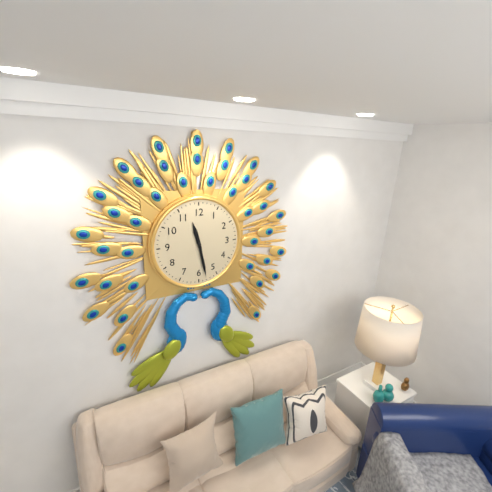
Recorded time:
{"hour": 11, "minute": 28}
